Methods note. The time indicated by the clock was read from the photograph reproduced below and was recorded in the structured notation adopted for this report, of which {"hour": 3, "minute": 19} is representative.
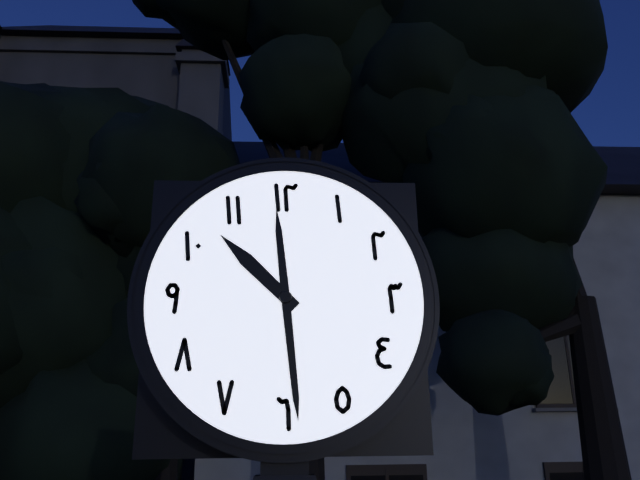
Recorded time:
{"hour": 10, "minute": 29}
